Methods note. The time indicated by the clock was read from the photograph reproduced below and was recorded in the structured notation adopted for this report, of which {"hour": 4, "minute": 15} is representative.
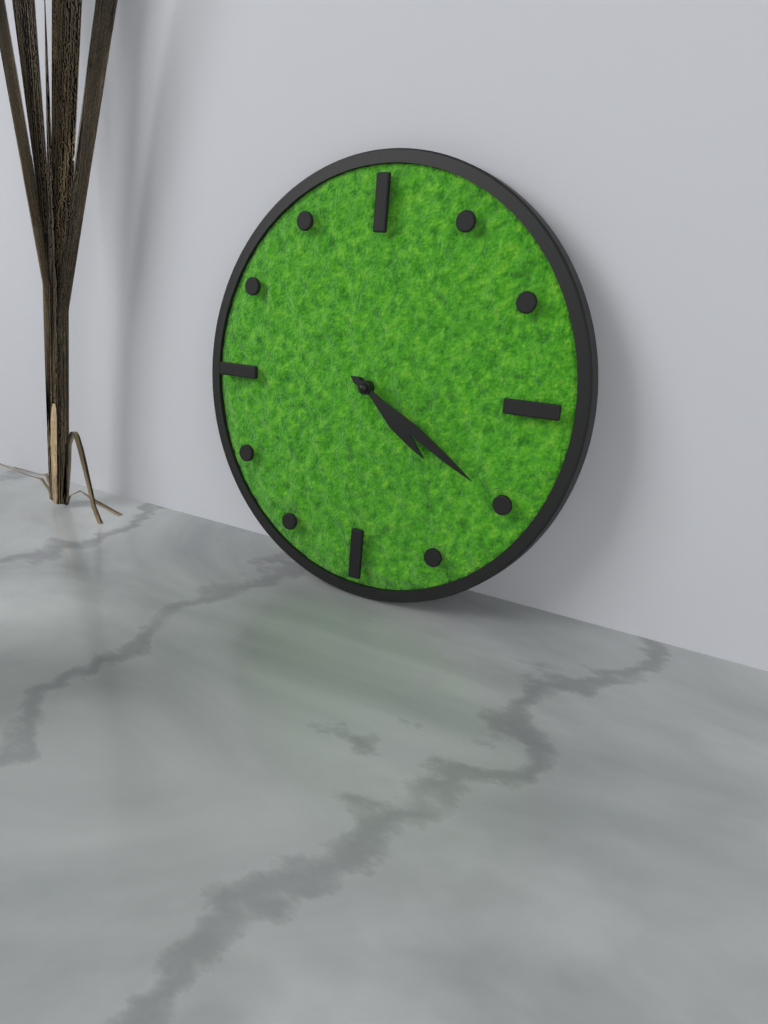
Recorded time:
{"hour": 4, "minute": 20}
